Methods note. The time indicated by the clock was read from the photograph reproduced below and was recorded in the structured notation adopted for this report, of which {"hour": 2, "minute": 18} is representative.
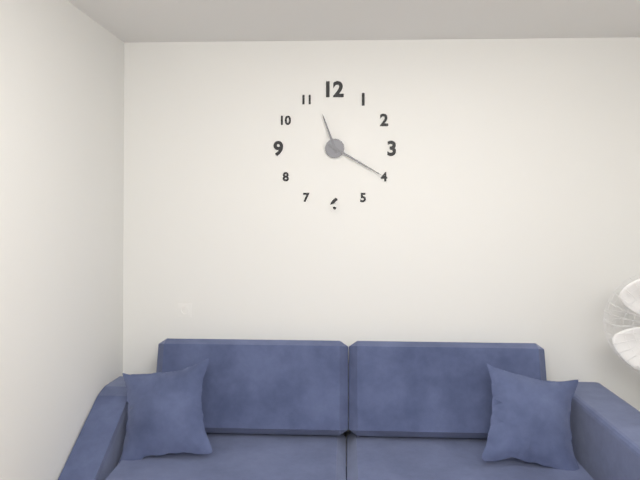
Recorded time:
{"hour": 11, "minute": 20}
